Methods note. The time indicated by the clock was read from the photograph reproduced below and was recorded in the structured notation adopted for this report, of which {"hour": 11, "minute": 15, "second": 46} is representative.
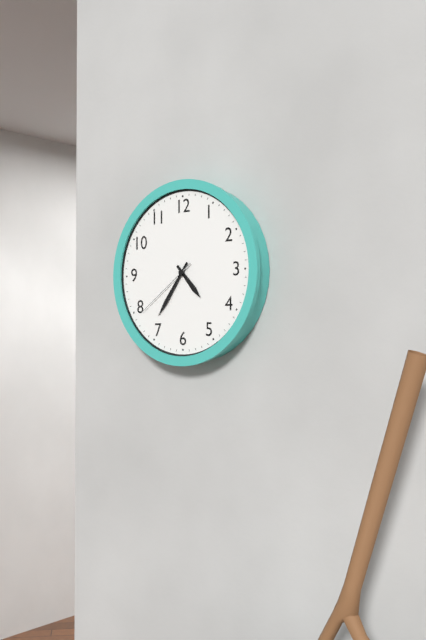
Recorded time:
{"hour": 4, "minute": 36, "second": 39}
